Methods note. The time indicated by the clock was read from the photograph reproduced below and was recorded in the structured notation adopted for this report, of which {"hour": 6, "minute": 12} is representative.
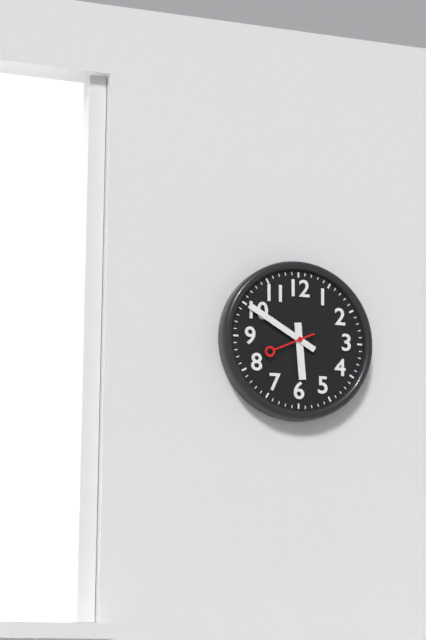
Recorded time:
{"hour": 5, "minute": 50}
